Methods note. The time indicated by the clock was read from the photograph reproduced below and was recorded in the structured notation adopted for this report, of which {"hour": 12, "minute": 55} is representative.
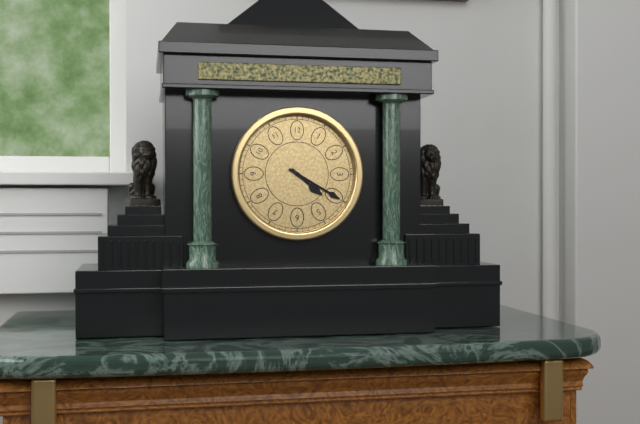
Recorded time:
{"hour": 4, "minute": 20}
